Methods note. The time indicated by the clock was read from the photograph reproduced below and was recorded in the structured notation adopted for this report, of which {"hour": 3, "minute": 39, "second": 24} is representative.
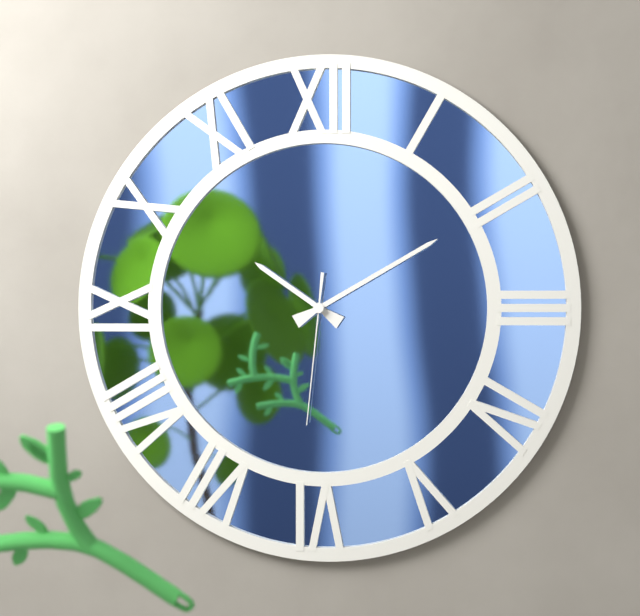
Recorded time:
{"hour": 10, "minute": 10, "second": 31}
